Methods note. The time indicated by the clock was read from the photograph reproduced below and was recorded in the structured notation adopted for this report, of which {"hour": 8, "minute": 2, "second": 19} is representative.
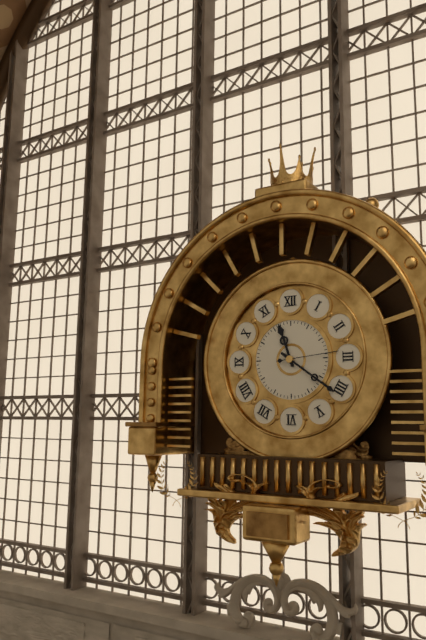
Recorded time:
{"hour": 11, "minute": 21, "second": 14}
